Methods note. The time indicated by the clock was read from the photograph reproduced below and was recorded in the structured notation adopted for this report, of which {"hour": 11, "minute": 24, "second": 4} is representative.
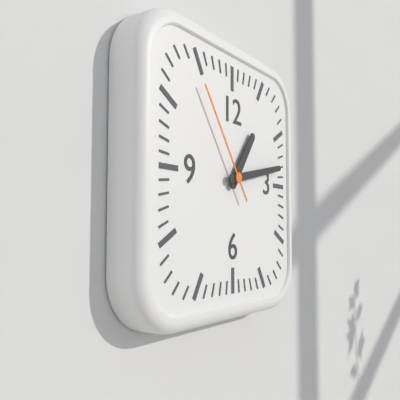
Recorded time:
{"hour": 1, "minute": 13, "second": 54}
